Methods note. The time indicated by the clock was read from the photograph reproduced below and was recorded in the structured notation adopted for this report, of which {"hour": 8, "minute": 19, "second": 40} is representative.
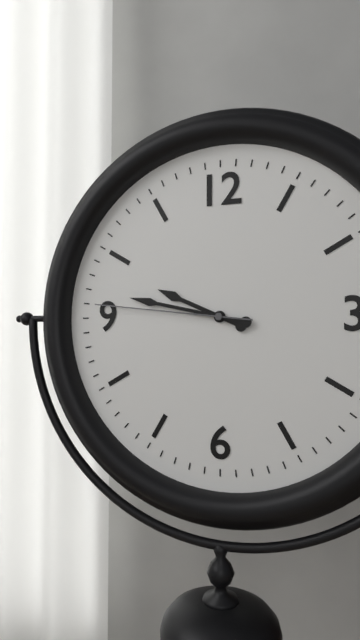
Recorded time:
{"hour": 9, "minute": 47, "second": 46}
